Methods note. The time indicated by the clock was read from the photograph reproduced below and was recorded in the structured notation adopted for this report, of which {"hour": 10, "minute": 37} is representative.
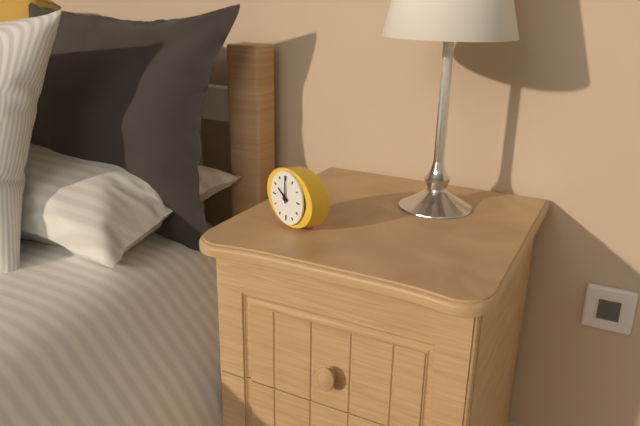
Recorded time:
{"hour": 10, "minute": 0}
